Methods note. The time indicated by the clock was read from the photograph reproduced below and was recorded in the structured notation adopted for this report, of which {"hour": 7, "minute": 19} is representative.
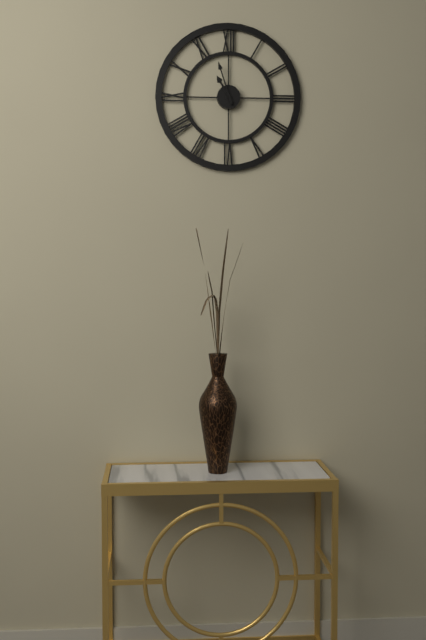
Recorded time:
{"hour": 10, "minute": 57}
